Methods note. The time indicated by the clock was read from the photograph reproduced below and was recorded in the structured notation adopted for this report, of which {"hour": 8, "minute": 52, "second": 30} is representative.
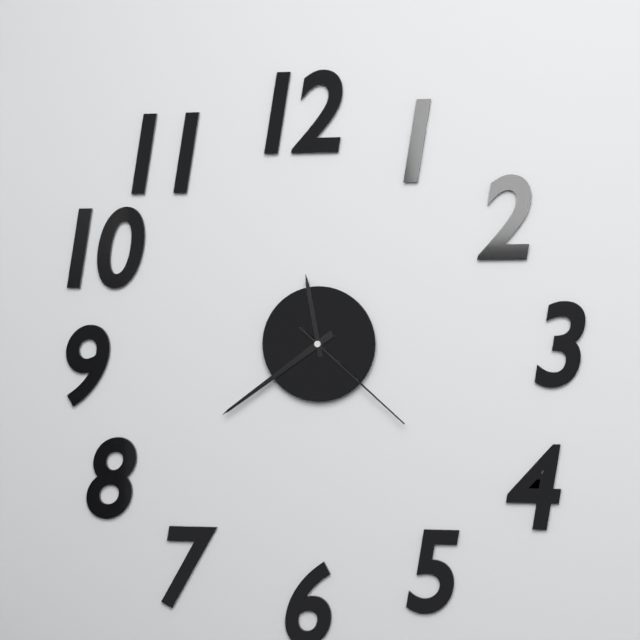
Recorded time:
{"hour": 11, "minute": 39, "second": 22}
